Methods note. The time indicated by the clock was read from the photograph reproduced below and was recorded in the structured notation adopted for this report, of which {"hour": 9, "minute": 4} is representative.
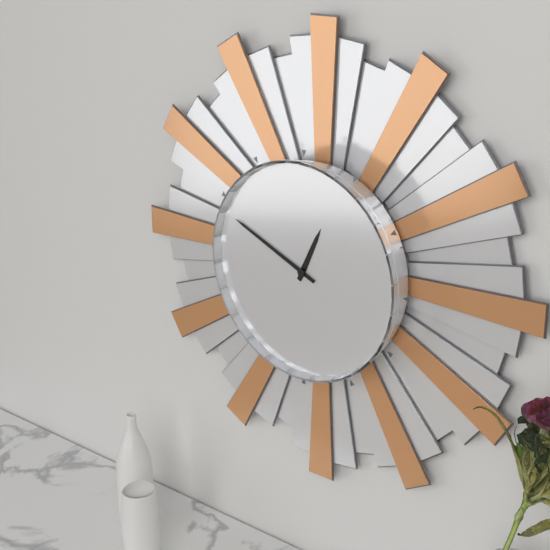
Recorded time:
{"hour": 12, "minute": 49}
